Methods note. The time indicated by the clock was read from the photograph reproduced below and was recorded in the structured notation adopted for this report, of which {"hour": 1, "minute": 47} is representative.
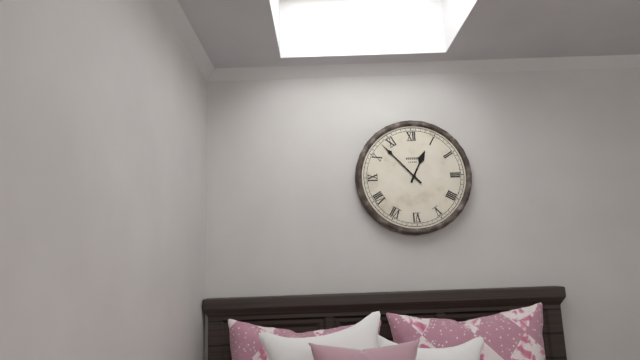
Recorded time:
{"hour": 12, "minute": 53}
